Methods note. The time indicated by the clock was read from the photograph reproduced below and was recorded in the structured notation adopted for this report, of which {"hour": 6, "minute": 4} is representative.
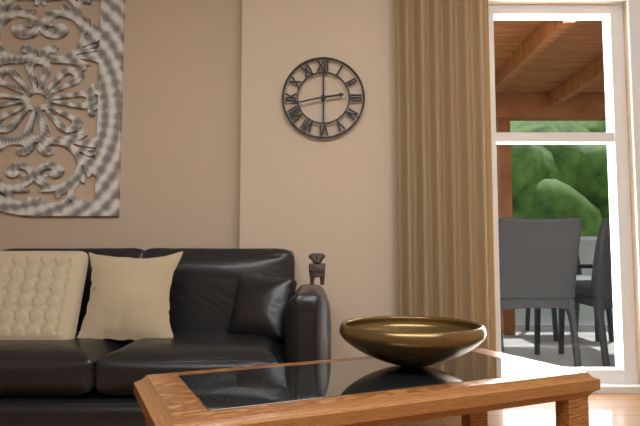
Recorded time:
{"hour": 2, "minute": 43}
